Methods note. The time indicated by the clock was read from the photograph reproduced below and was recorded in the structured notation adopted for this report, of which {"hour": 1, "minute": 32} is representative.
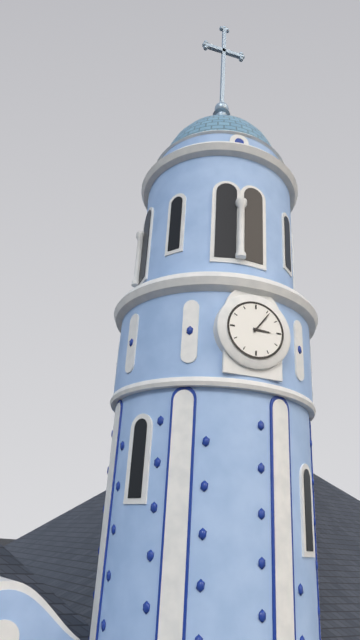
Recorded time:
{"hour": 3, "minute": 6}
